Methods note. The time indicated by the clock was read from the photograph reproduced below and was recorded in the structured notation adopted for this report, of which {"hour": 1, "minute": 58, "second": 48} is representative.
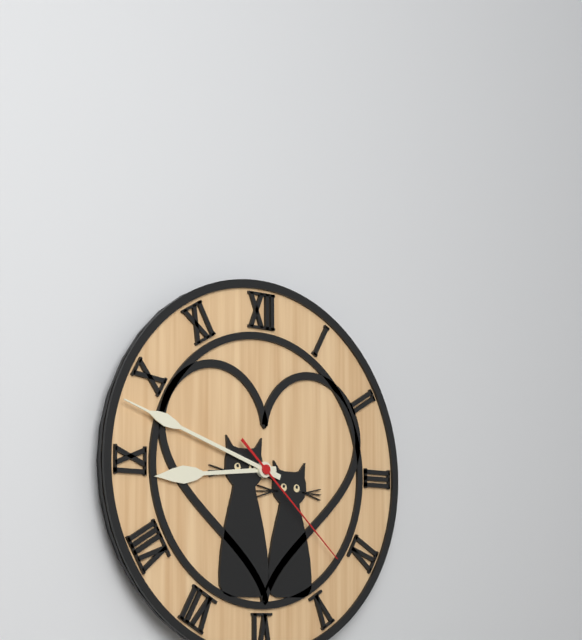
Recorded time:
{"hour": 8, "minute": 48, "second": 22}
